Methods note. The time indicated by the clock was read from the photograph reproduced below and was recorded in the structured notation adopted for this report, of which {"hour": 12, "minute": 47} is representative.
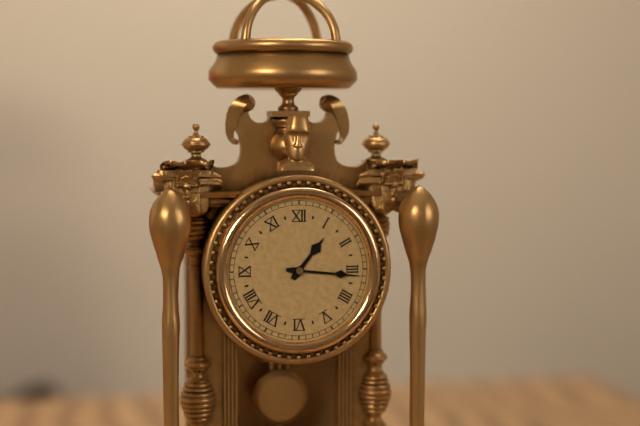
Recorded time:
{"hour": 1, "minute": 16}
